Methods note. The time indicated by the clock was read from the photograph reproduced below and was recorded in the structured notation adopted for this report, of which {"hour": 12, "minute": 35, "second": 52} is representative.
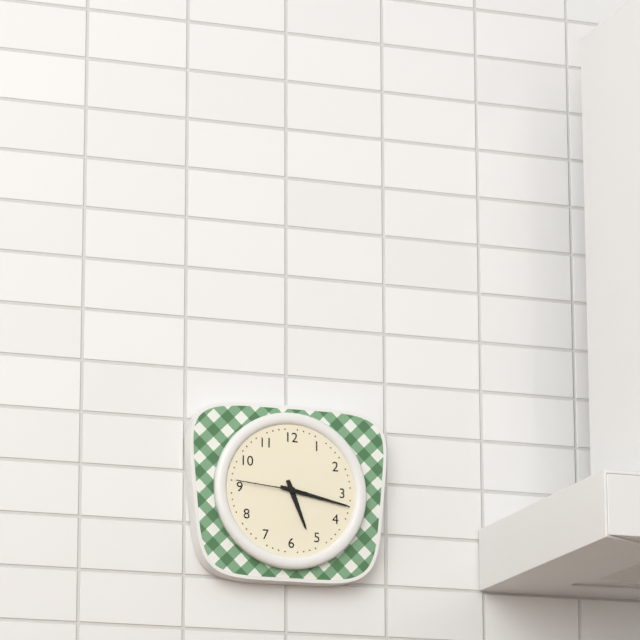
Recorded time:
{"hour": 5, "minute": 17, "second": 46}
